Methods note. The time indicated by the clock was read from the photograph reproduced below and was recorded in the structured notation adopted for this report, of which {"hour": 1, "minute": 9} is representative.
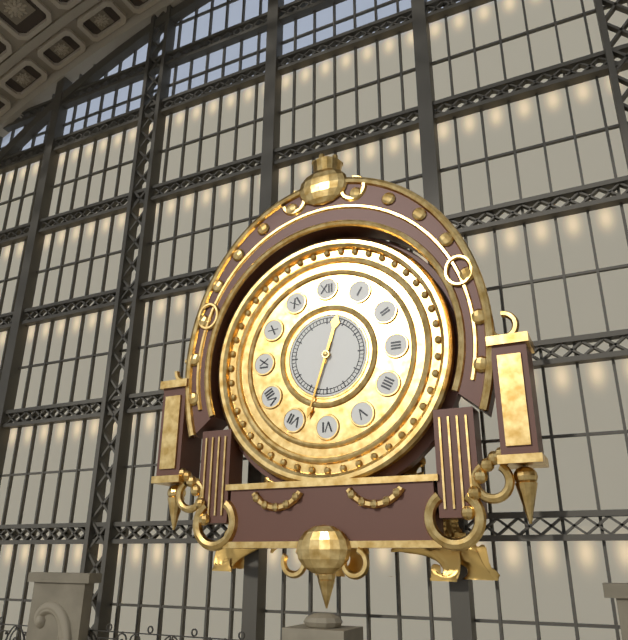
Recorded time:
{"hour": 12, "minute": 33}
